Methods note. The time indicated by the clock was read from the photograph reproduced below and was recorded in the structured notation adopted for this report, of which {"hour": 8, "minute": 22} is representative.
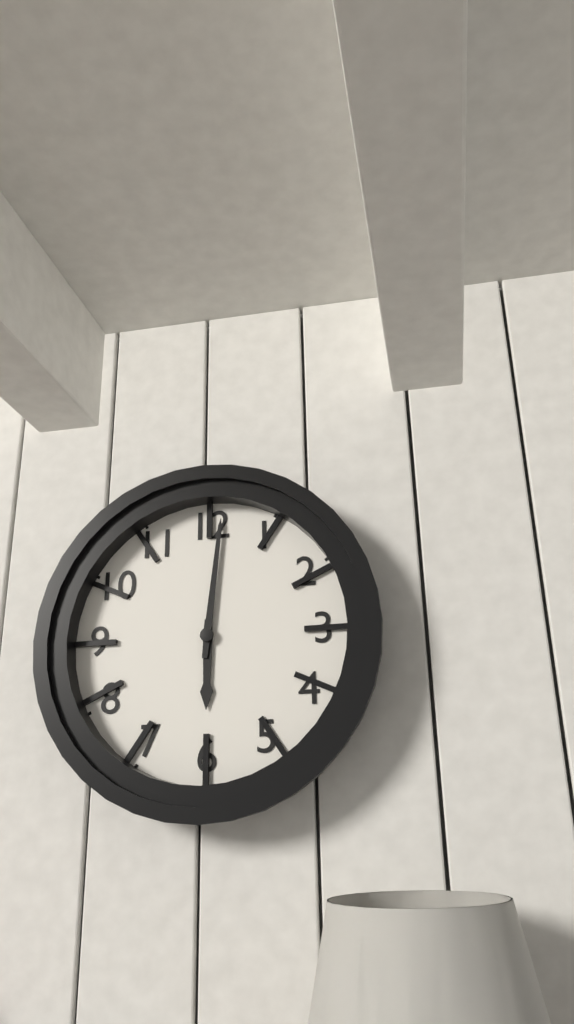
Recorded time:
{"hour": 6, "minute": 1}
